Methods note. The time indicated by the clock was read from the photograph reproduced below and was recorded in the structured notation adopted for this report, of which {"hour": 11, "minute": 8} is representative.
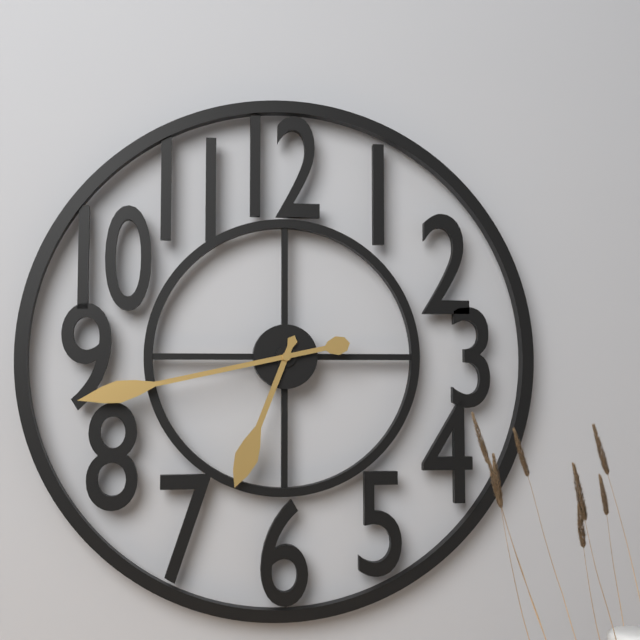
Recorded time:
{"hour": 6, "minute": 43}
